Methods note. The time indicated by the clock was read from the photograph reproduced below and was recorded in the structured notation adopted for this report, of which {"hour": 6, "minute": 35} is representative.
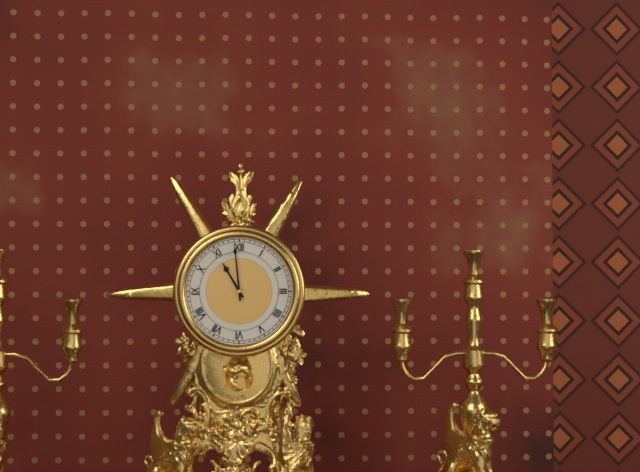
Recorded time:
{"hour": 10, "minute": 59}
